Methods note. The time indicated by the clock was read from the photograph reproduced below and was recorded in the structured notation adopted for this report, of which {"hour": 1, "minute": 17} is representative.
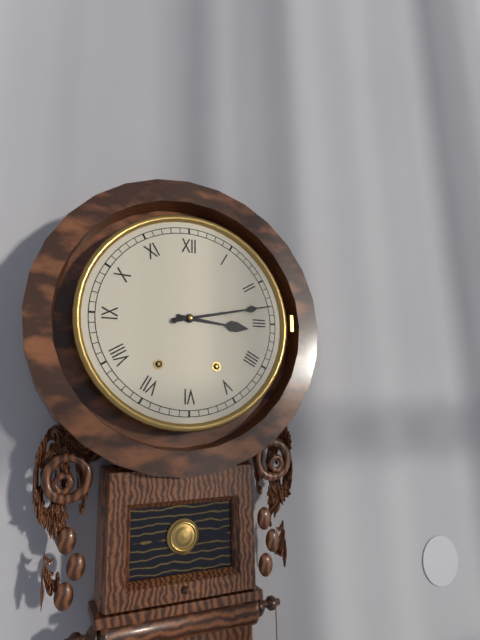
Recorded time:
{"hour": 3, "minute": 13}
